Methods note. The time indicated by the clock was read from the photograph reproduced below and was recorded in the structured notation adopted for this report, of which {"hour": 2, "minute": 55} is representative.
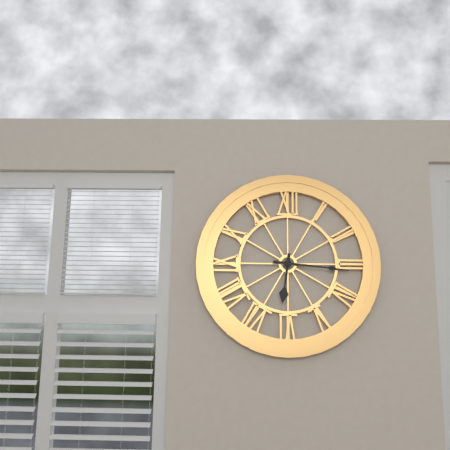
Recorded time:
{"hour": 6, "minute": 16}
